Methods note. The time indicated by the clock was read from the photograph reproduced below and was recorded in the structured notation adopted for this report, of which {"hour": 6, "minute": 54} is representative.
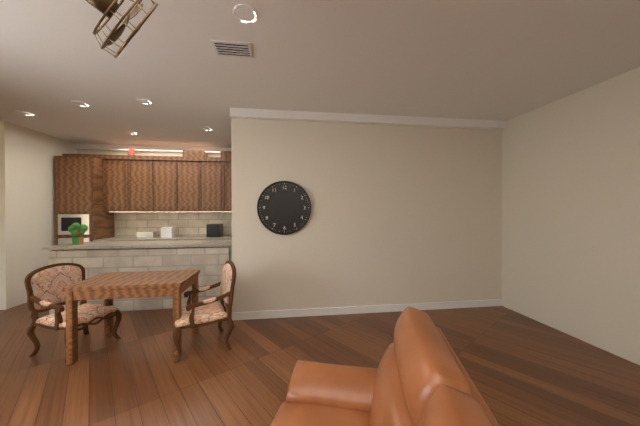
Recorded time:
{"hour": 6, "minute": 26}
